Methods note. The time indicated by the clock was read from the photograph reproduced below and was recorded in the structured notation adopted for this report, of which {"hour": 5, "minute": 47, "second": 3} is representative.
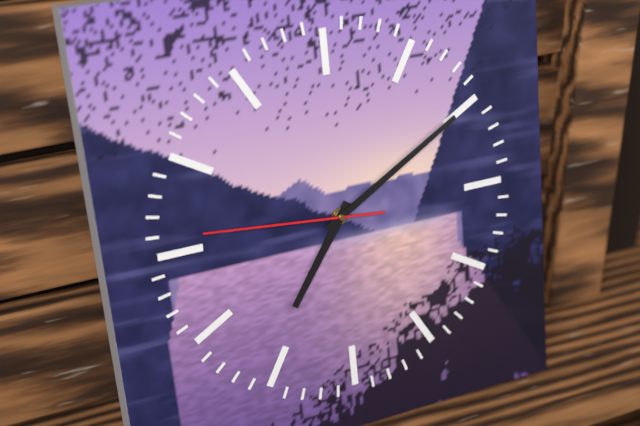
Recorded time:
{"hour": 7, "minute": 10, "second": 46}
